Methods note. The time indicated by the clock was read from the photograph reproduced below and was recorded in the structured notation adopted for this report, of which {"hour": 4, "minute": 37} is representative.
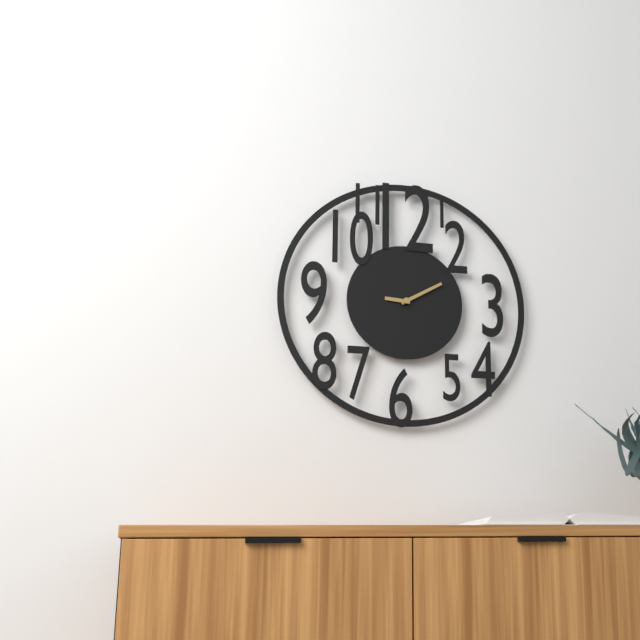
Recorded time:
{"hour": 9, "minute": 10}
